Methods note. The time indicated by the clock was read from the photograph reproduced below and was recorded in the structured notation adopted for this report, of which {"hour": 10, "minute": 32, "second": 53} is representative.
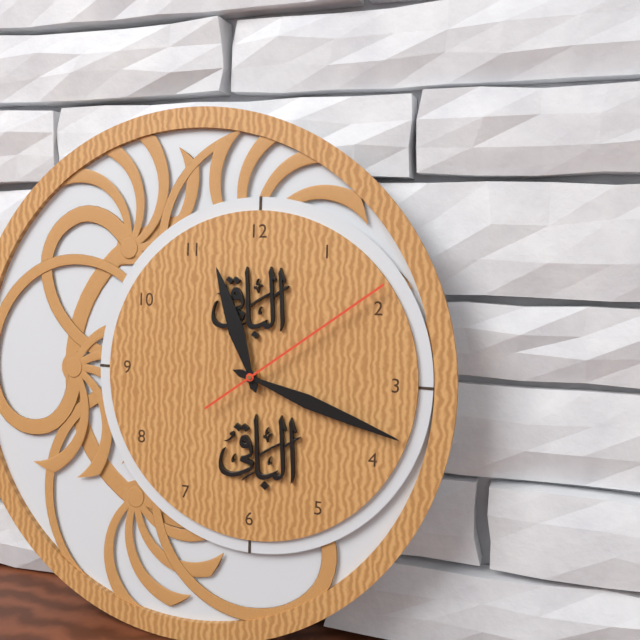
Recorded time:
{"hour": 11, "minute": 18, "second": 9}
